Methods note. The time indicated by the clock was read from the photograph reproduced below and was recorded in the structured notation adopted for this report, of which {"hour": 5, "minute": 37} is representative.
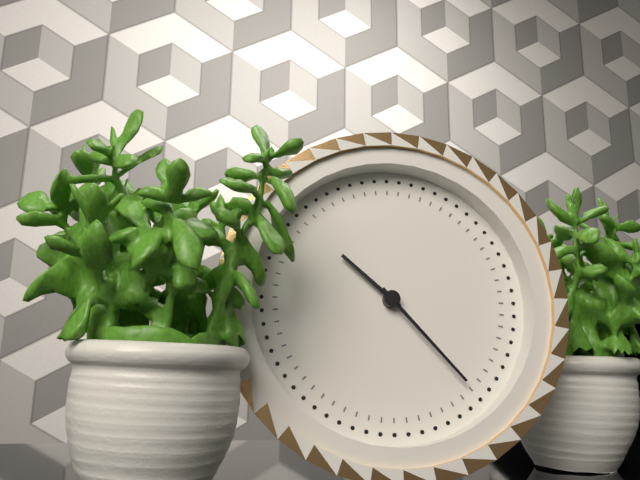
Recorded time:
{"hour": 10, "minute": 23}
